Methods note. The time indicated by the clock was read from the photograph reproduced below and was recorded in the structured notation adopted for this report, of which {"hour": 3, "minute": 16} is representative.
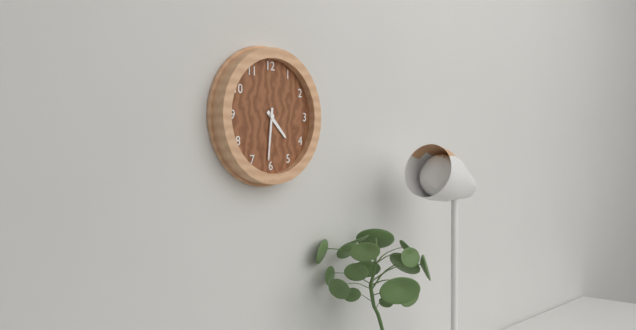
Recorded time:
{"hour": 4, "minute": 31}
